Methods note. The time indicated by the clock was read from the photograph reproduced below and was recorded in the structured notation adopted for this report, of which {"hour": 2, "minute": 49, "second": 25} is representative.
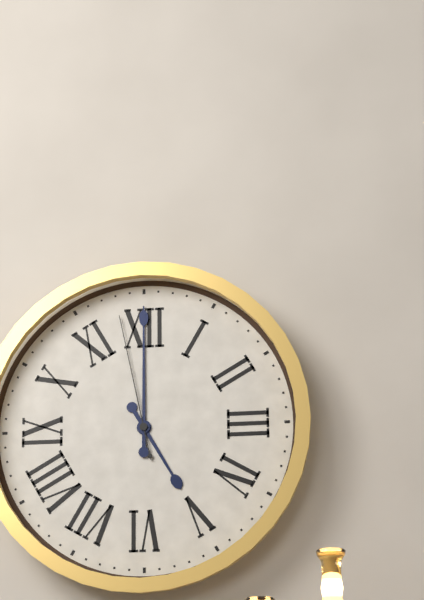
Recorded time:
{"hour": 5, "minute": 0, "second": 58}
